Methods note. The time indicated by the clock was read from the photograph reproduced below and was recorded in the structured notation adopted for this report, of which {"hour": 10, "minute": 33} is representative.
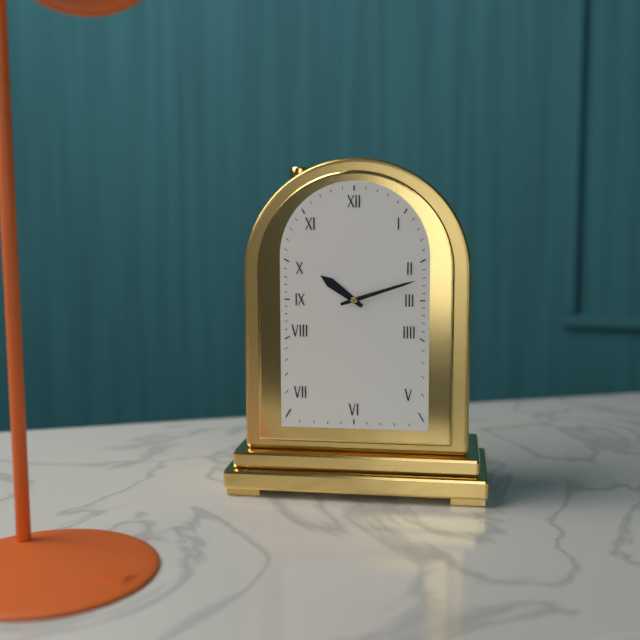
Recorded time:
{"hour": 10, "minute": 12}
